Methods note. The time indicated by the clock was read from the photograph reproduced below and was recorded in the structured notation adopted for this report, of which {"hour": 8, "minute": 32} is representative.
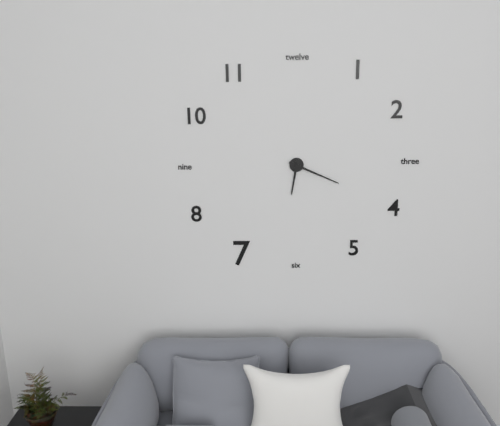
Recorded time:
{"hour": 6, "minute": 19}
